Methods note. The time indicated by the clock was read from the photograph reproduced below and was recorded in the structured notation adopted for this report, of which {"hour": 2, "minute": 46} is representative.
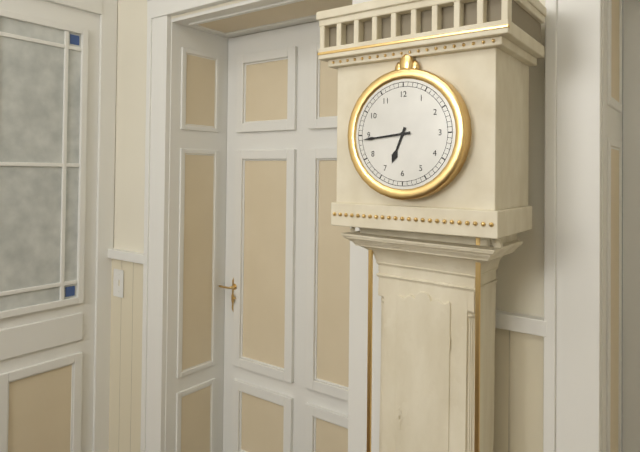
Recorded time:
{"hour": 6, "minute": 44}
